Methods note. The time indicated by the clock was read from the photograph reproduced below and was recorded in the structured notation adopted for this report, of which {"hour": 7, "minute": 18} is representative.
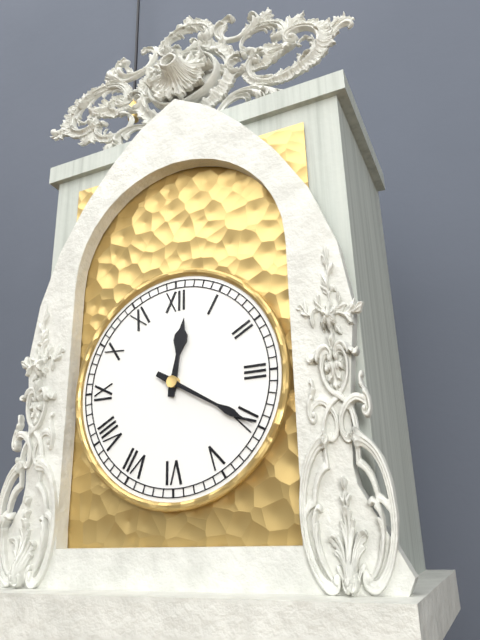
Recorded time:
{"hour": 12, "minute": 20}
